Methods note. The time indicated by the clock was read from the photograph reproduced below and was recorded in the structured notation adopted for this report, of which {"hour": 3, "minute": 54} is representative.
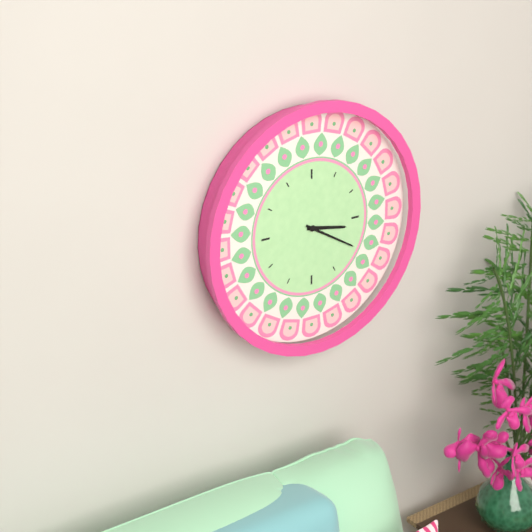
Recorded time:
{"hour": 3, "minute": 20}
